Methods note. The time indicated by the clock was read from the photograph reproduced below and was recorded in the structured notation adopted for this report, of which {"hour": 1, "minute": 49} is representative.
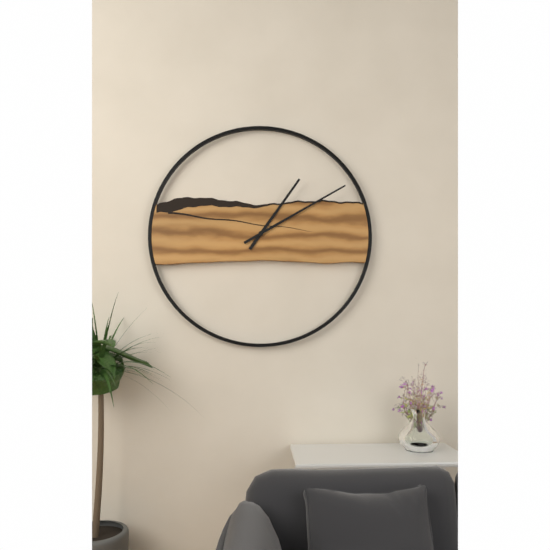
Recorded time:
{"hour": 1, "minute": 10}
